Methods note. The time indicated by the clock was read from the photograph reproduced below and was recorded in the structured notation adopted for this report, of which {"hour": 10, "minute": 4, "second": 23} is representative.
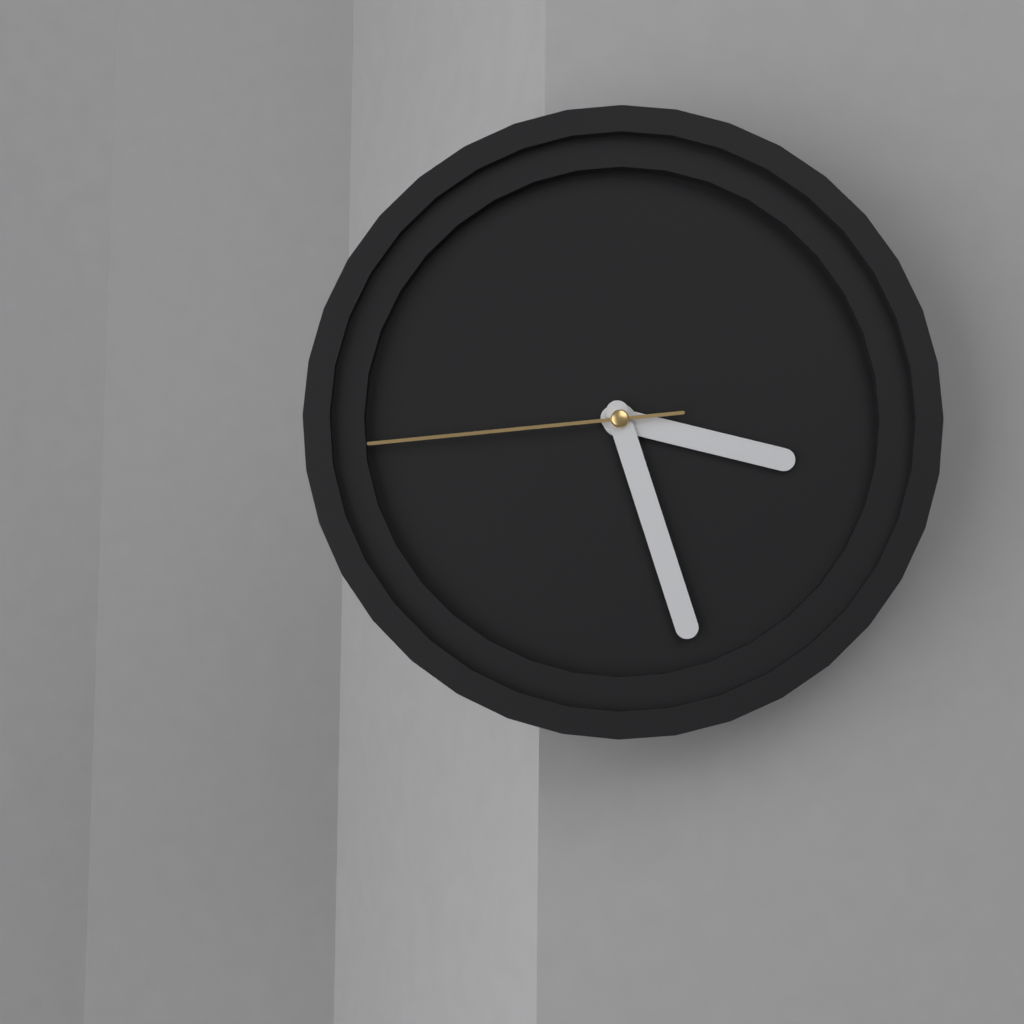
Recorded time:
{"hour": 3, "minute": 27, "second": 44}
